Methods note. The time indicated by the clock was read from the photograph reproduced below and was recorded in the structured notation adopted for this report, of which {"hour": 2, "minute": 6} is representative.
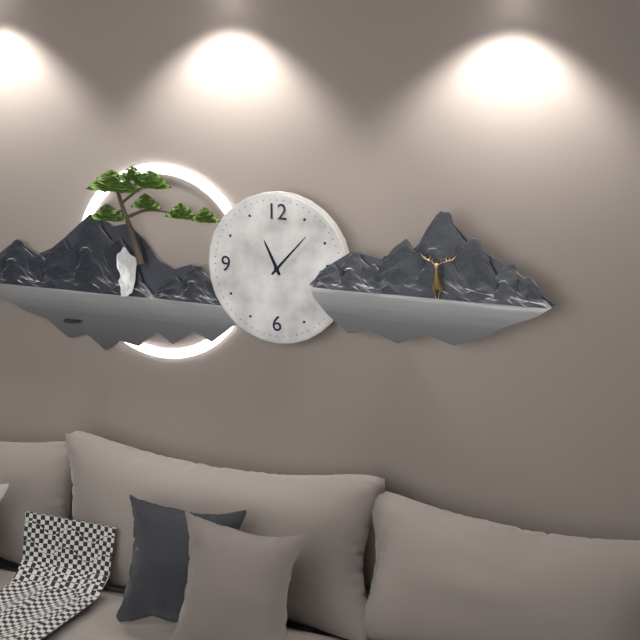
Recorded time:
{"hour": 11, "minute": 7}
